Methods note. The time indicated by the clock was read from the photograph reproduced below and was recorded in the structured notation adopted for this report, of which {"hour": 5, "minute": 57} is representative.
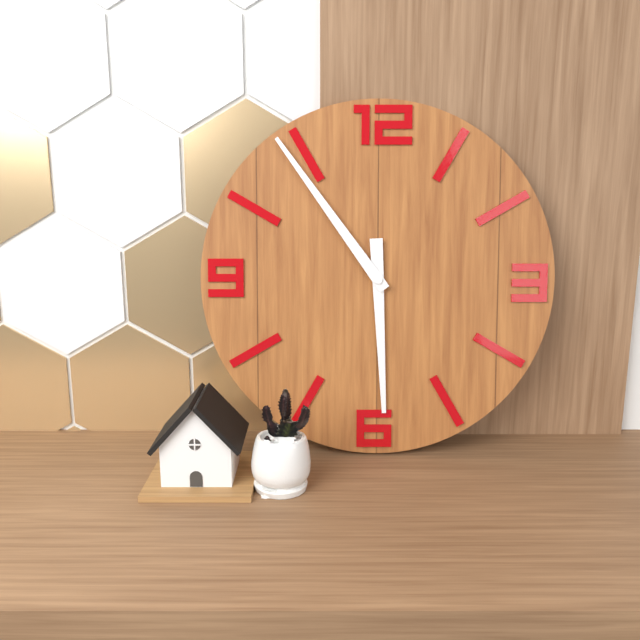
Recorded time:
{"hour": 5, "minute": 54}
